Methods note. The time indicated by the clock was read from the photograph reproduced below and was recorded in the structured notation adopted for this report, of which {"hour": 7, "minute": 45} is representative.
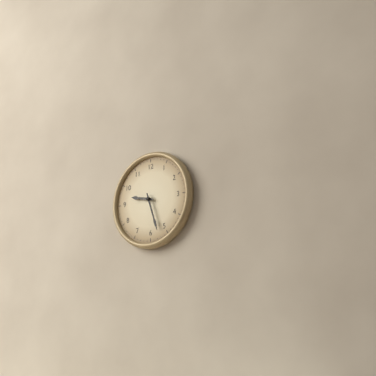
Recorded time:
{"hour": 9, "minute": 27}
